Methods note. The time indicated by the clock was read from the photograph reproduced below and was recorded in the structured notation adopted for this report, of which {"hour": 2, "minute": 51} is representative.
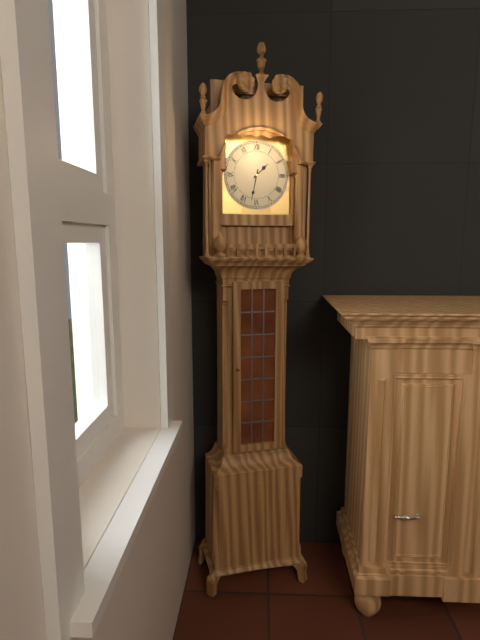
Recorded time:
{"hour": 1, "minute": 32}
